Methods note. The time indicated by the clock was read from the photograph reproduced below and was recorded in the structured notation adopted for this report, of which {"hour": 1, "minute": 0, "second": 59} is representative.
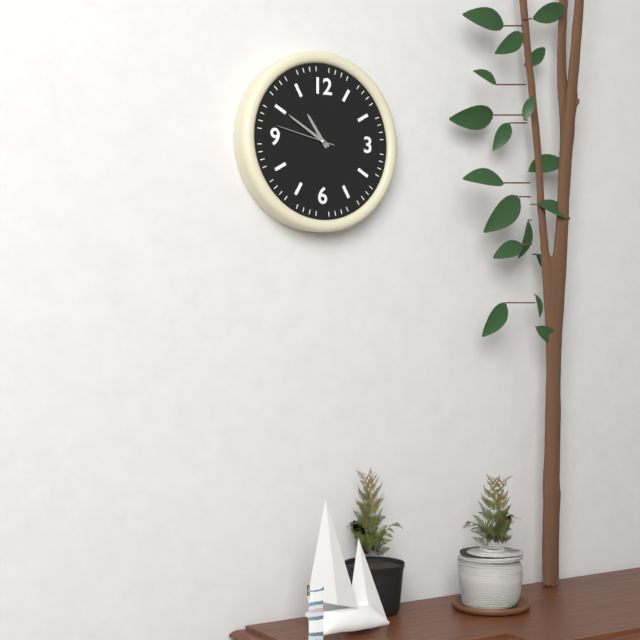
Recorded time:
{"hour": 10, "minute": 50, "second": 47}
